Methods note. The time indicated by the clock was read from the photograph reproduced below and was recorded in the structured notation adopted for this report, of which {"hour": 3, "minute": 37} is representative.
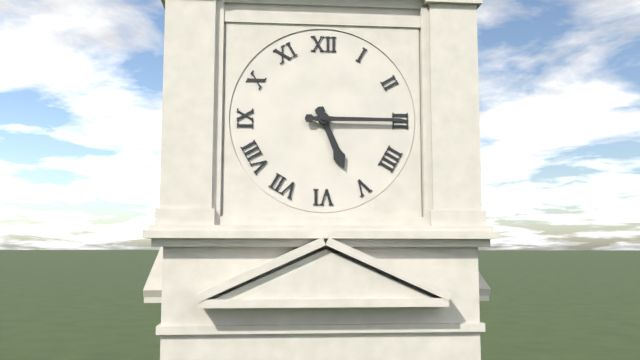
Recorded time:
{"hour": 5, "minute": 15}
